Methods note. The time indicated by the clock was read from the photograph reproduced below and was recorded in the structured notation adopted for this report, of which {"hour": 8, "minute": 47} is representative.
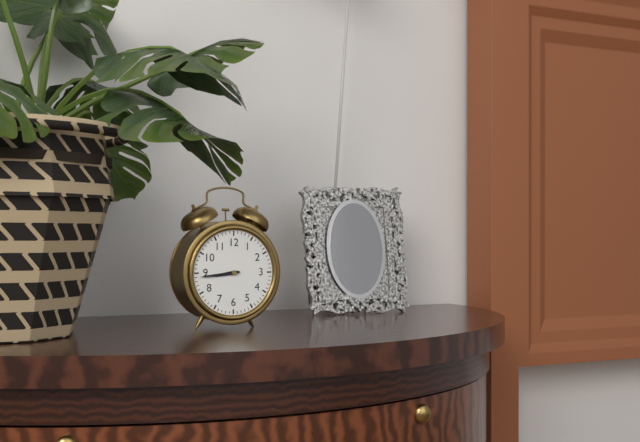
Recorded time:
{"hour": 8, "minute": 44}
